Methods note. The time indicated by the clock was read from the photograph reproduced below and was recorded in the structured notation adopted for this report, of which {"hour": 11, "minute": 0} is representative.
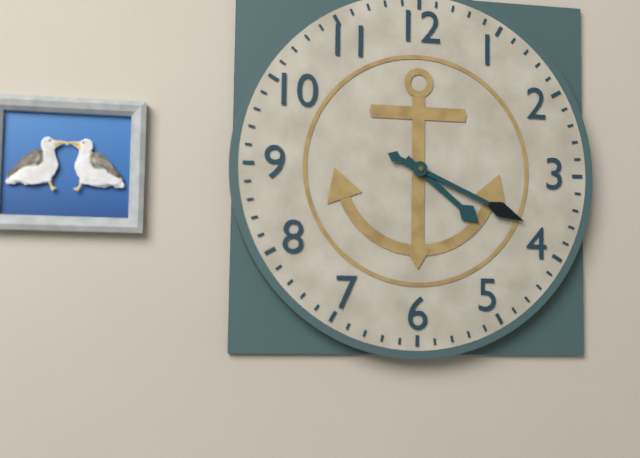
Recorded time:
{"hour": 4, "minute": 19}
